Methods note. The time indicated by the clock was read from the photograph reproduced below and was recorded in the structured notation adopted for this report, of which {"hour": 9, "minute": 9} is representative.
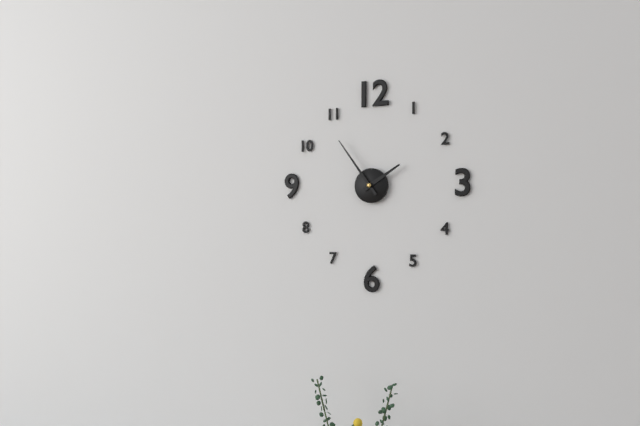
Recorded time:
{"hour": 1, "minute": 54}
